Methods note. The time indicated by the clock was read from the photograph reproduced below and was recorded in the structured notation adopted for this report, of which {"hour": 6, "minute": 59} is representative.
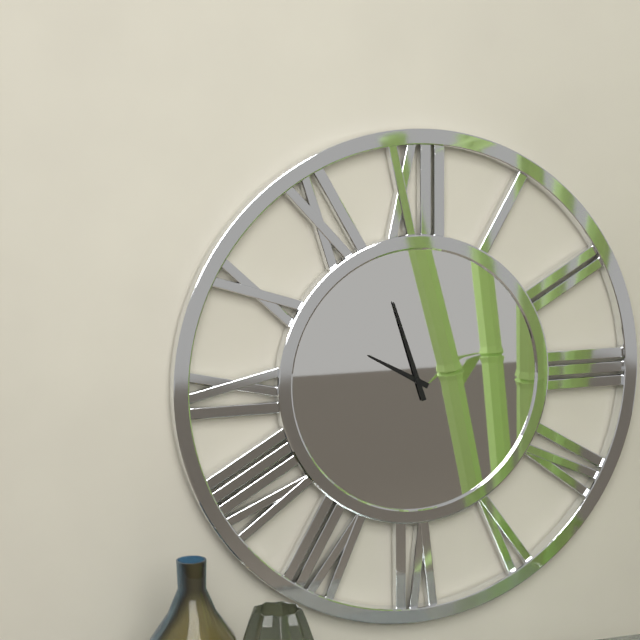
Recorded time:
{"hour": 9, "minute": 57}
